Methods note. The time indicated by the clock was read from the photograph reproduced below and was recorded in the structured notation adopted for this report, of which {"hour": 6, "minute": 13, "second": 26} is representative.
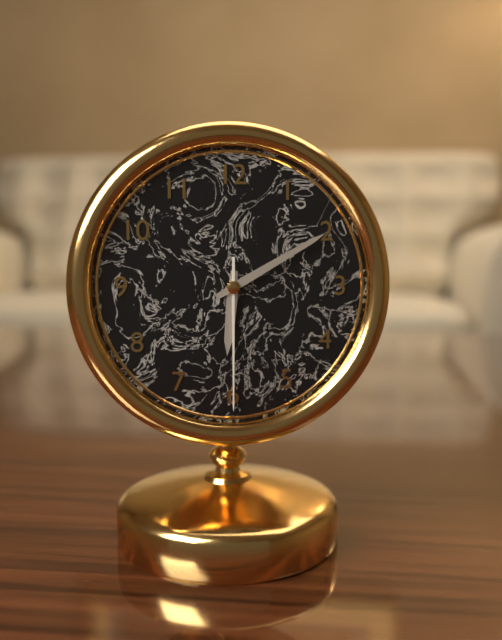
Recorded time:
{"hour": 6, "minute": 10, "second": 30}
